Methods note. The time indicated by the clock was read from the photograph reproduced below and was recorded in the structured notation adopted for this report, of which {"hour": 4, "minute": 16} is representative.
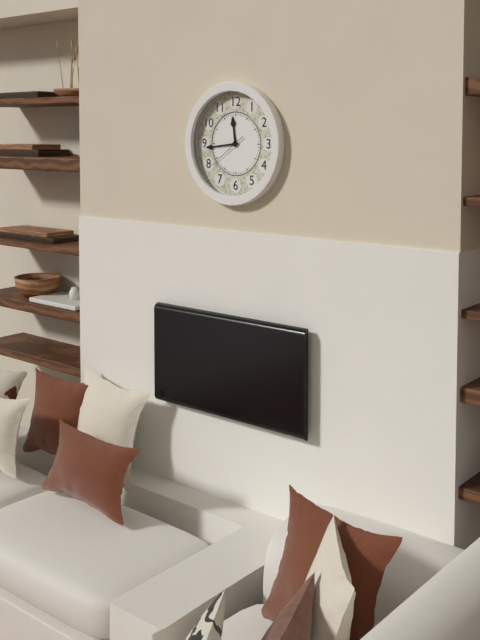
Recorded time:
{"hour": 11, "minute": 44}
